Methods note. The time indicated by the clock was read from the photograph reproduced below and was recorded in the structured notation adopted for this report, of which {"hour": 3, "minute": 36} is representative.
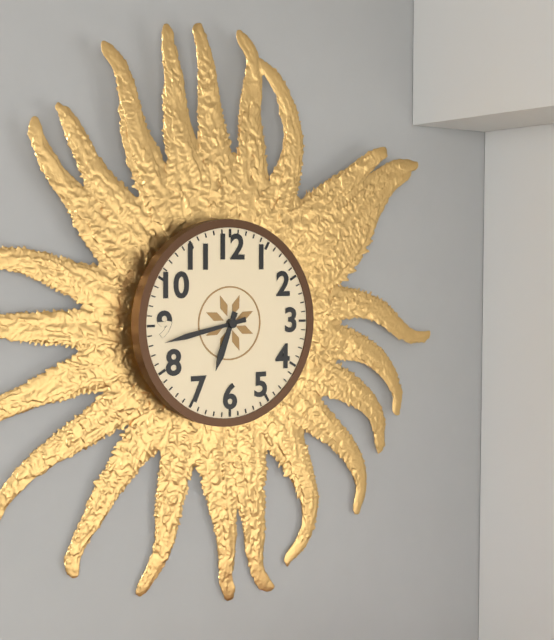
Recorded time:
{"hour": 6, "minute": 43}
